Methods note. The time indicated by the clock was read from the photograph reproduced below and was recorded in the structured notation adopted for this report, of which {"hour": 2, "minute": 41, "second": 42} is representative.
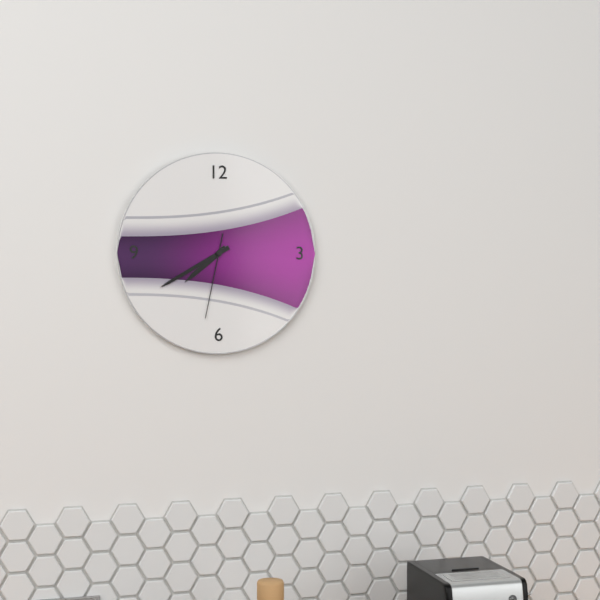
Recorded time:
{"hour": 7, "minute": 40, "second": 32}
